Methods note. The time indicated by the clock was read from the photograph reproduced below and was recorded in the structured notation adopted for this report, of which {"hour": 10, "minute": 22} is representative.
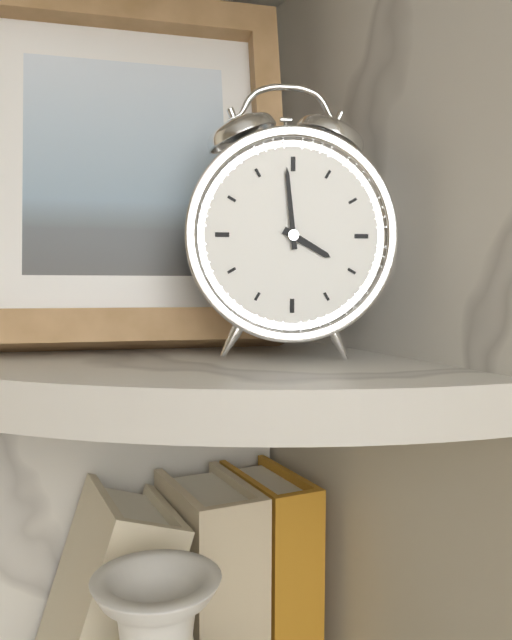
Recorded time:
{"hour": 3, "minute": 59}
